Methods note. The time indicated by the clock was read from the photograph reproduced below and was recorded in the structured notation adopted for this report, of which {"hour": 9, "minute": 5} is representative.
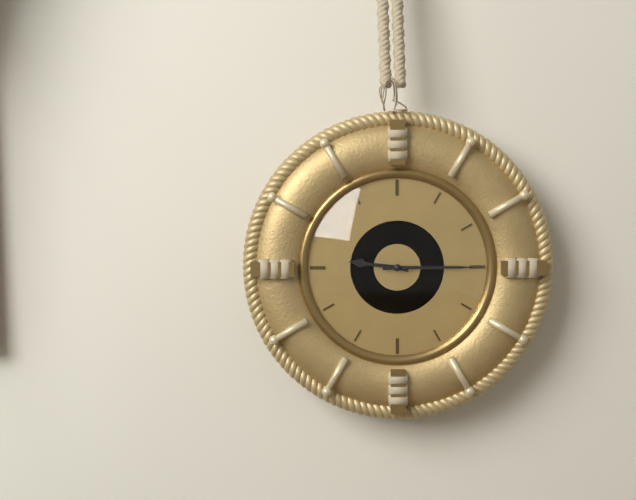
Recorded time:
{"hour": 9, "minute": 15}
